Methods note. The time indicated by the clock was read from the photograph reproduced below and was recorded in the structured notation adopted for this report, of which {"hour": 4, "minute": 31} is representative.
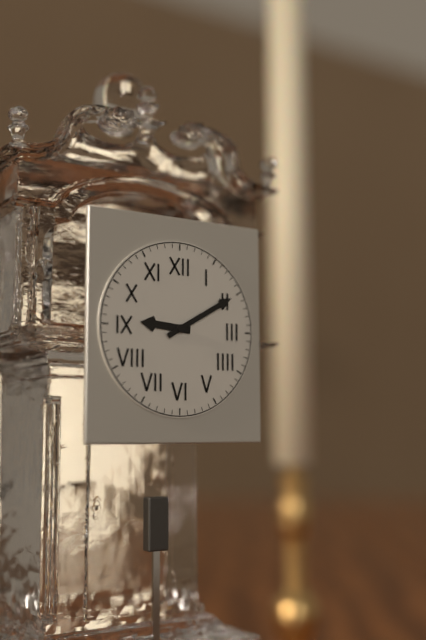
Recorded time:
{"hour": 9, "minute": 10}
